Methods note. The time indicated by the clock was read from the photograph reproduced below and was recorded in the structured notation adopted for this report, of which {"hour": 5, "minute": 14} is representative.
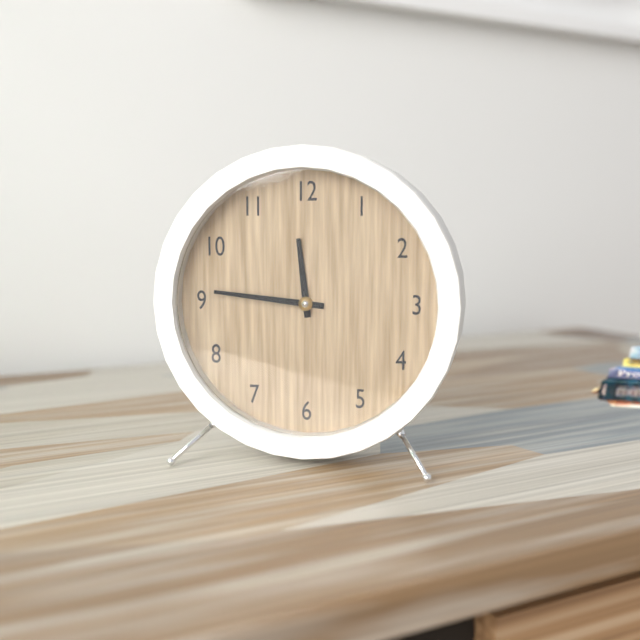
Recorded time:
{"hour": 11, "minute": 46}
